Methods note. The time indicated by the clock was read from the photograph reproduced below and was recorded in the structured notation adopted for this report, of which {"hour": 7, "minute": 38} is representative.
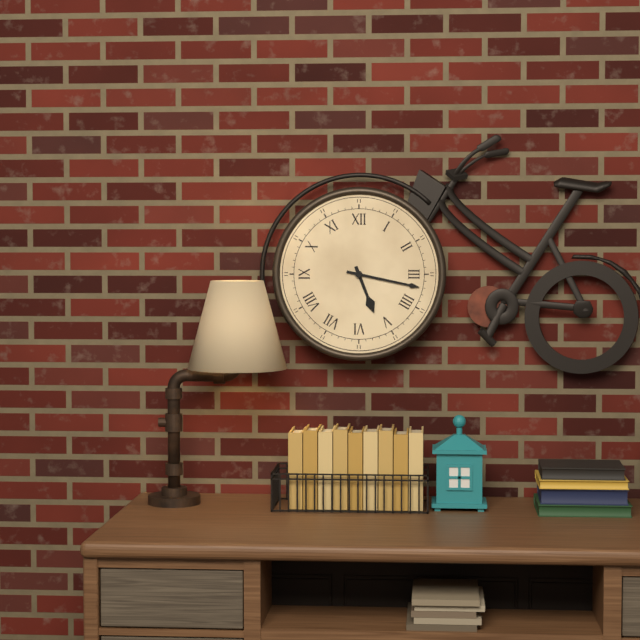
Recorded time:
{"hour": 5, "minute": 17}
